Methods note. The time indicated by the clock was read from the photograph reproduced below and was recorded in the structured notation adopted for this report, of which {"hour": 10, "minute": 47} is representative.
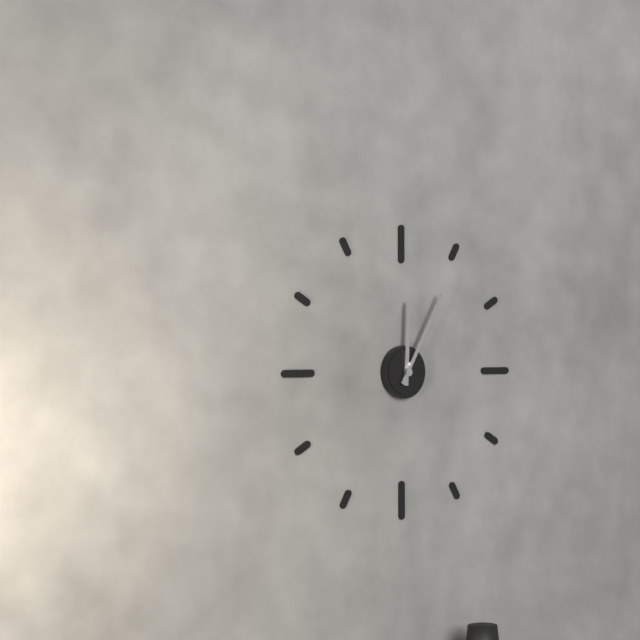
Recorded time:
{"hour": 12, "minute": 5}
